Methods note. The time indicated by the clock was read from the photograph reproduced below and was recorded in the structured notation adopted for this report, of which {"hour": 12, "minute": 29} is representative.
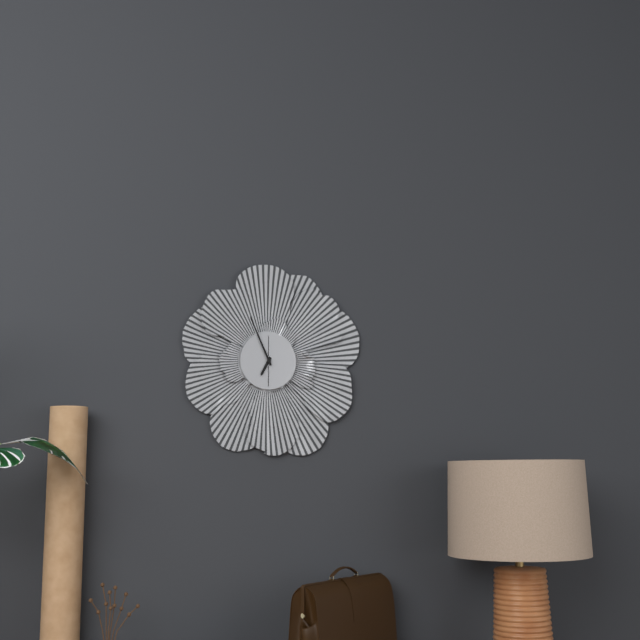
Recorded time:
{"hour": 6, "minute": 56}
